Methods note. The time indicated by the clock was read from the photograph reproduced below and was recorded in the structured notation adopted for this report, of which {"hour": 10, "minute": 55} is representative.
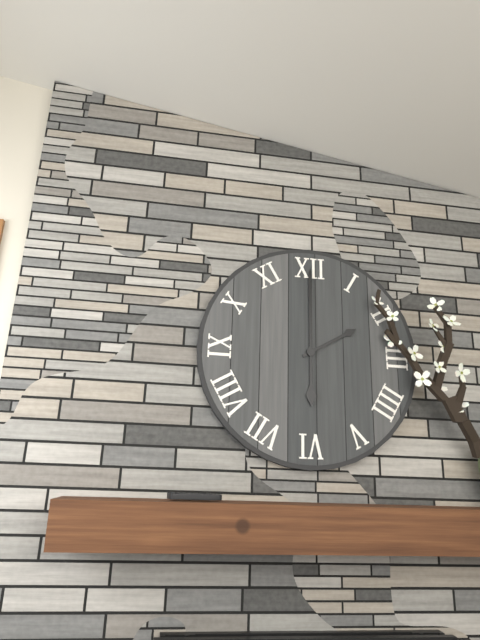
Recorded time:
{"hour": 2, "minute": 0}
